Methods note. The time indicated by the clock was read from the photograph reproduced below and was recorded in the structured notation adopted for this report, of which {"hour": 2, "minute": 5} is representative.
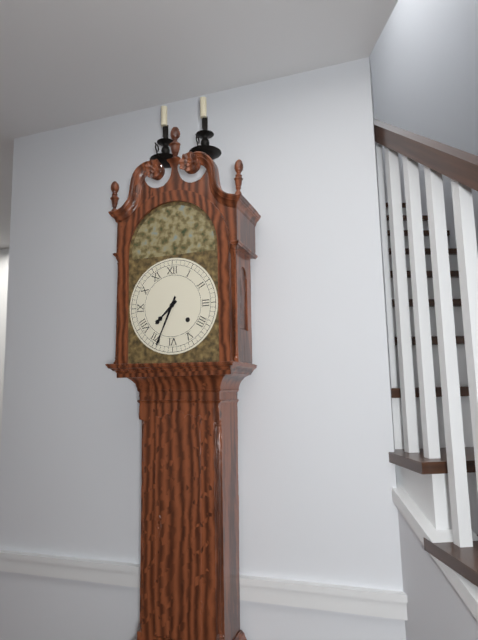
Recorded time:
{"hour": 7, "minute": 34}
